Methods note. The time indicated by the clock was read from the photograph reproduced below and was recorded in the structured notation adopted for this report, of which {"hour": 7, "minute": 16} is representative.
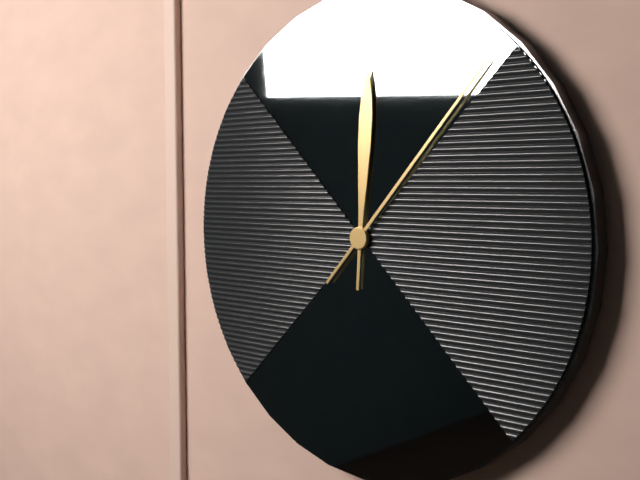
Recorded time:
{"hour": 12, "minute": 7}
